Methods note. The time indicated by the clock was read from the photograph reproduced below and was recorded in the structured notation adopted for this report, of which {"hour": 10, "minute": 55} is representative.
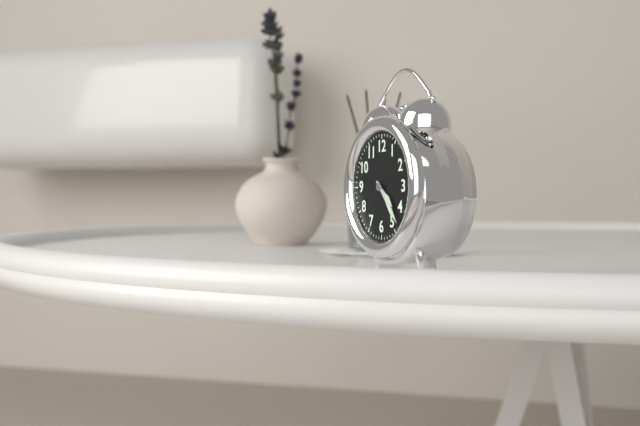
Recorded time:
{"hour": 4, "minute": 23}
